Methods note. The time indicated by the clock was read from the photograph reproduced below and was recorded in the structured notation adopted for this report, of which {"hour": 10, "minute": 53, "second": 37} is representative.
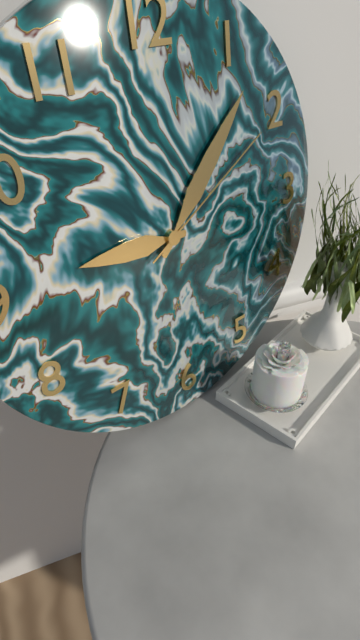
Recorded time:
{"hour": 9, "minute": 7, "second": 10}
